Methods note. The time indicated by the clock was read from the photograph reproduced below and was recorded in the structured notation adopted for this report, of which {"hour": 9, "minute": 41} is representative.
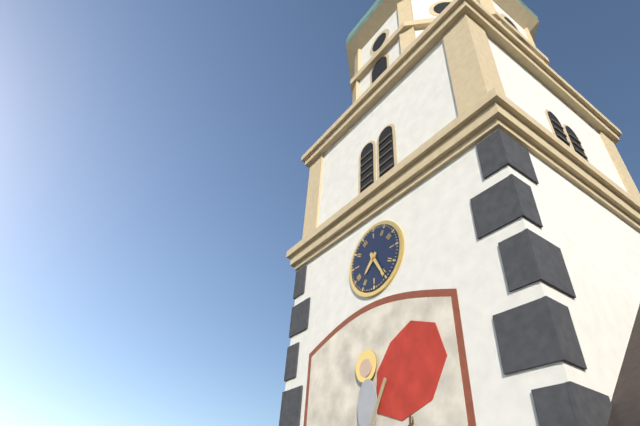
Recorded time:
{"hour": 7, "minute": 25}
